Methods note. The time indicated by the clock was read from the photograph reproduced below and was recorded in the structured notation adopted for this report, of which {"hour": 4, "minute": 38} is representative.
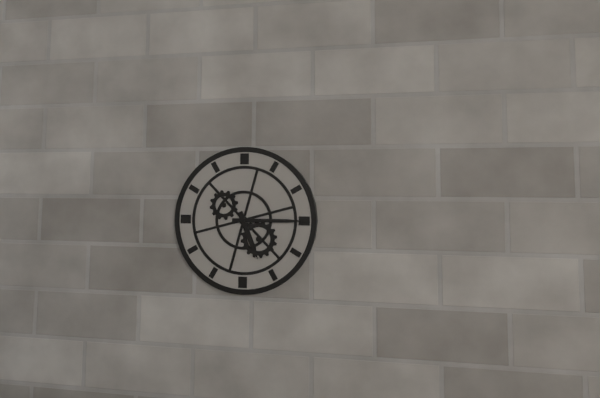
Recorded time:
{"hour": 5, "minute": 15}
